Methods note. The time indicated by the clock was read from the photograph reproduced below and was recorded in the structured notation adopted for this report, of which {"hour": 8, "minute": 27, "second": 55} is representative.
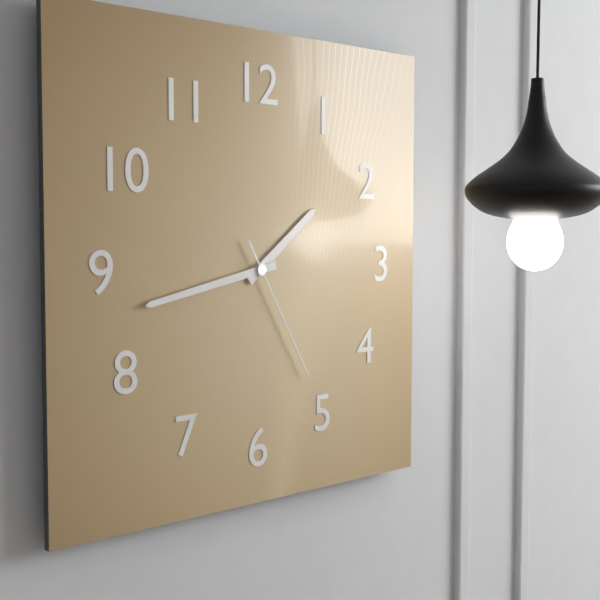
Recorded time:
{"hour": 1, "minute": 43, "second": 25}
